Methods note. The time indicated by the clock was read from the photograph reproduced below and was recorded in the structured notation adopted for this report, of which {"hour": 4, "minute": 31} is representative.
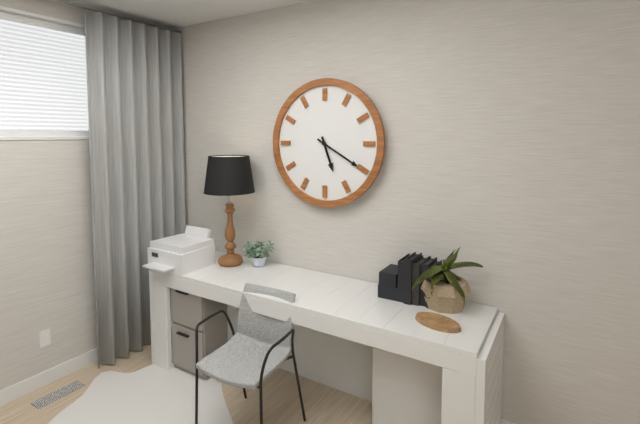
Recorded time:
{"hour": 5, "minute": 20}
